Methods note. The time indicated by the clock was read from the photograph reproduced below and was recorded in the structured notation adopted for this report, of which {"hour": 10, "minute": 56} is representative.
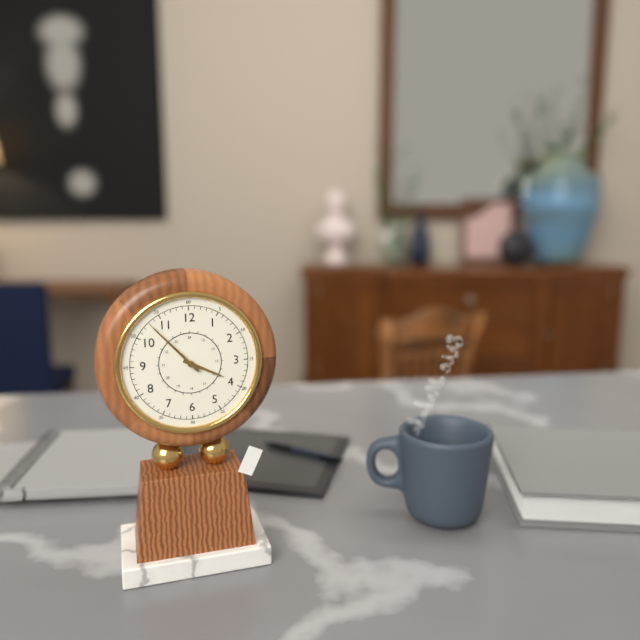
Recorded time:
{"hour": 3, "minute": 53}
